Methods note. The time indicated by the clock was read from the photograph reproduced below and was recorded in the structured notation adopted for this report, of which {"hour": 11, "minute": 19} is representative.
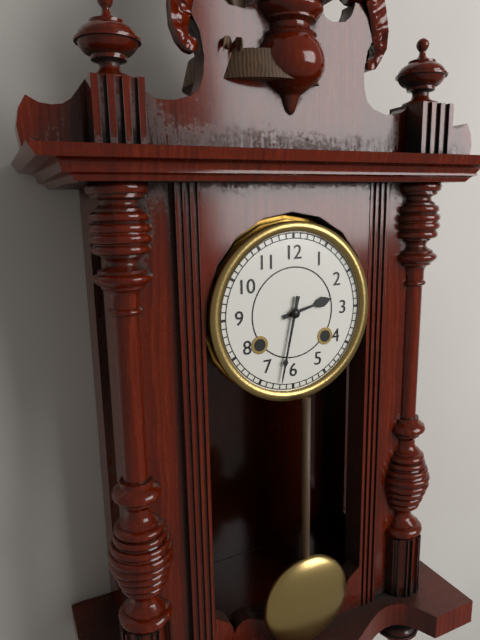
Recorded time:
{"hour": 2, "minute": 32}
